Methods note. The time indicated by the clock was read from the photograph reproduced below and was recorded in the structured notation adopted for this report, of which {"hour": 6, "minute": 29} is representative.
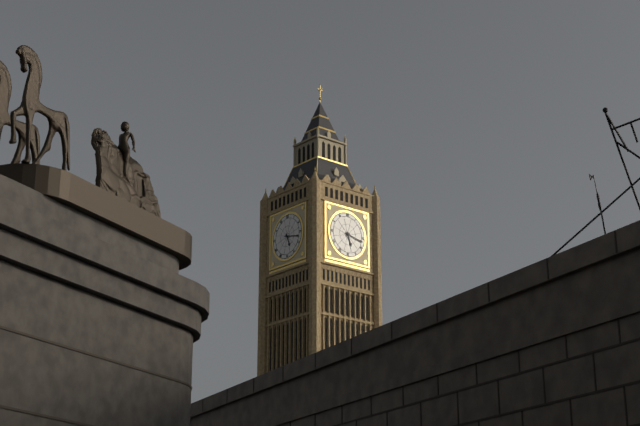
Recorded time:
{"hour": 5, "minute": 17}
